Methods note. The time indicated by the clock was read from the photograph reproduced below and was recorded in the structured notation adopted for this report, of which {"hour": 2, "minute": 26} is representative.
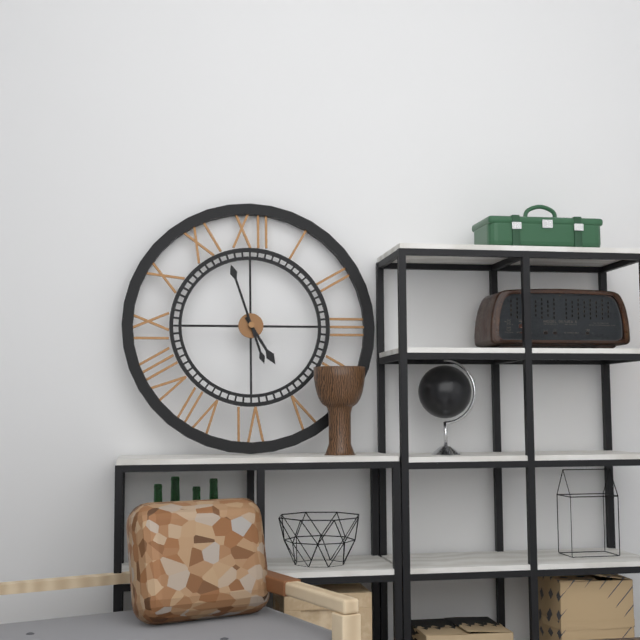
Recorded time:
{"hour": 4, "minute": 57}
